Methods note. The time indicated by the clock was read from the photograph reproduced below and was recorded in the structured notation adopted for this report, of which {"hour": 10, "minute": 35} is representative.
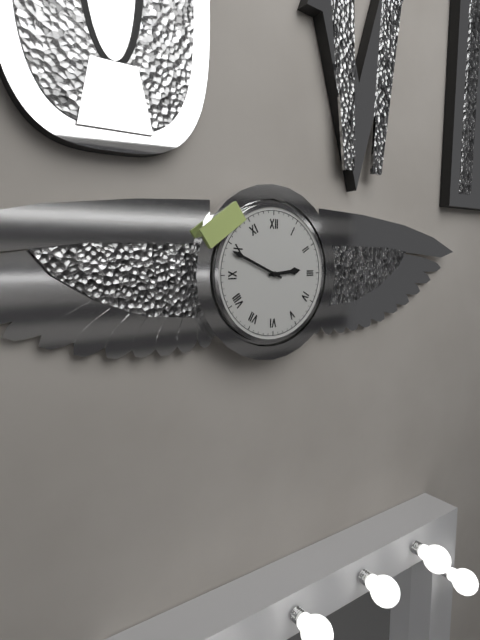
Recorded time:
{"hour": 2, "minute": 49}
